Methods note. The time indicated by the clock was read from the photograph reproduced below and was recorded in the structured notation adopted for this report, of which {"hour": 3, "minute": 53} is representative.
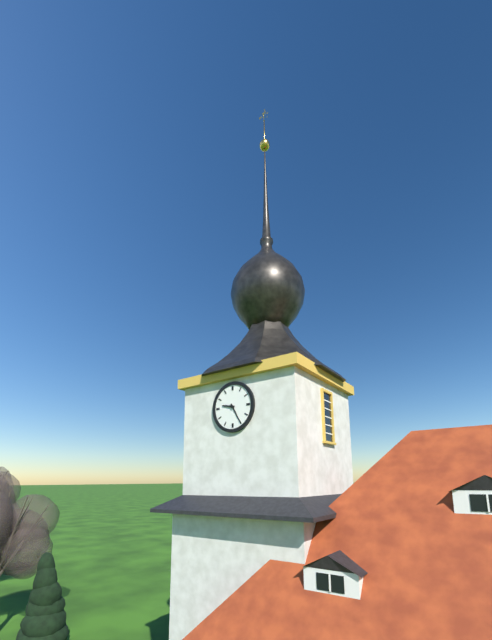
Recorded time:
{"hour": 9, "minute": 25}
